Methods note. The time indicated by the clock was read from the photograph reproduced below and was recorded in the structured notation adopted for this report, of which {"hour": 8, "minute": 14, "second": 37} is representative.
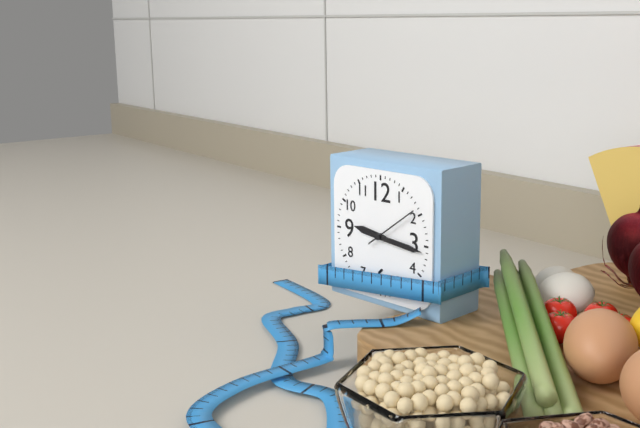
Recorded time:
{"hour": 9, "minute": 16, "second": 9}
